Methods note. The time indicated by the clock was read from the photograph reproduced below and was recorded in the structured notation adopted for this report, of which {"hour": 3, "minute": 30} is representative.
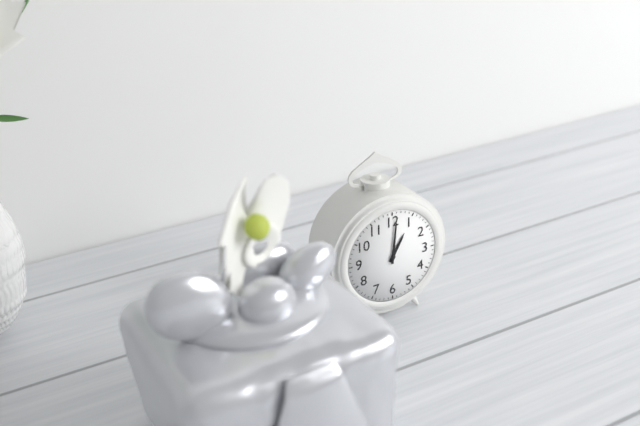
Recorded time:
{"hour": 1, "minute": 1}
